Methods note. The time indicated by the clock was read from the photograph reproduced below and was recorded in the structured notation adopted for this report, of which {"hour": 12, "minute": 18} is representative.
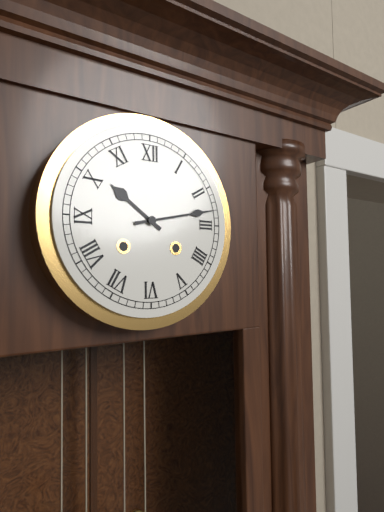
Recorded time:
{"hour": 10, "minute": 13}
